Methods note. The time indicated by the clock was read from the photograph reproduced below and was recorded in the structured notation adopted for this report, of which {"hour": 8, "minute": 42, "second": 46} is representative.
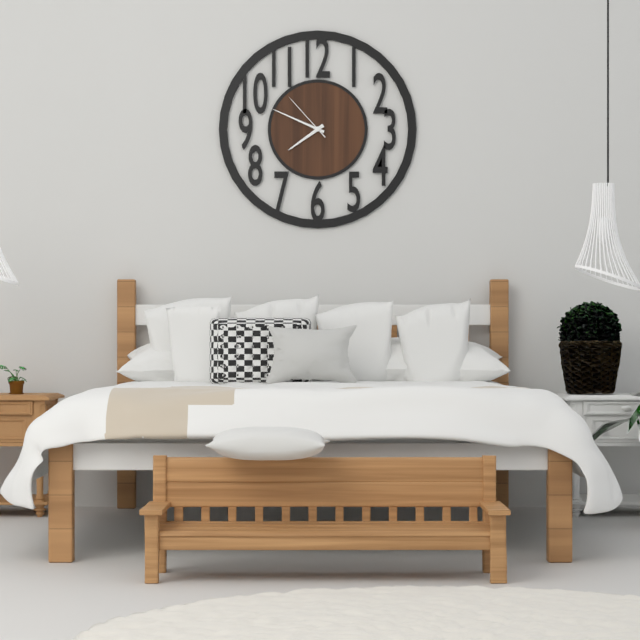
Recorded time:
{"hour": 7, "minute": 49, "second": 53}
